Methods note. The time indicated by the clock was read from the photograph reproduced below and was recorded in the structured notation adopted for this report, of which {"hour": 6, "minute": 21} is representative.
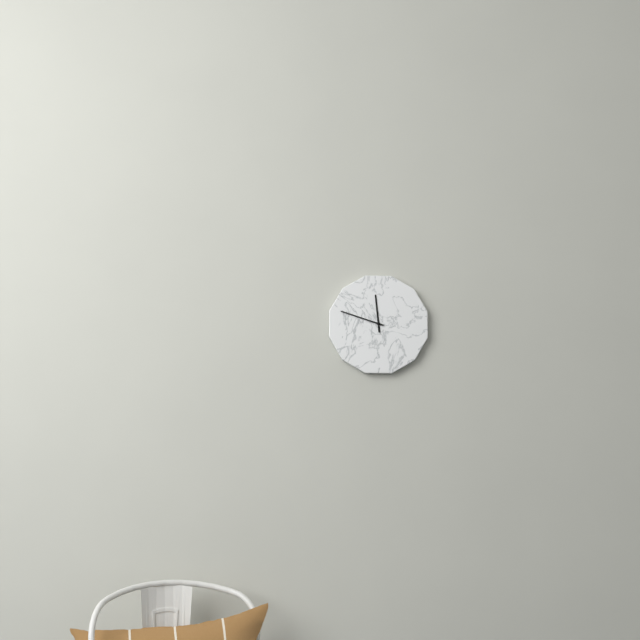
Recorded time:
{"hour": 11, "minute": 48}
